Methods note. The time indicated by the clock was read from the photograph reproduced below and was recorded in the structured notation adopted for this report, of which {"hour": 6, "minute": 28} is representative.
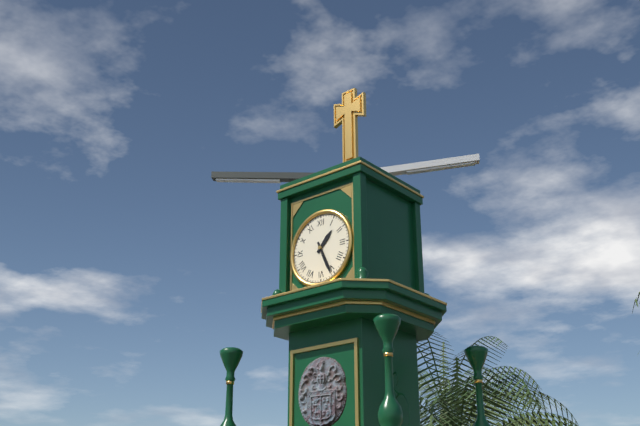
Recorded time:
{"hour": 1, "minute": 26}
